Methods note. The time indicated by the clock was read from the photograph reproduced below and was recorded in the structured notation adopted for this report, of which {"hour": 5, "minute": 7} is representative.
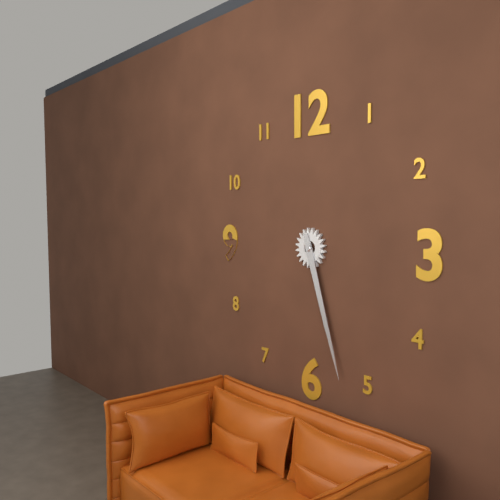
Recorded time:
{"hour": 5, "minute": 27}
